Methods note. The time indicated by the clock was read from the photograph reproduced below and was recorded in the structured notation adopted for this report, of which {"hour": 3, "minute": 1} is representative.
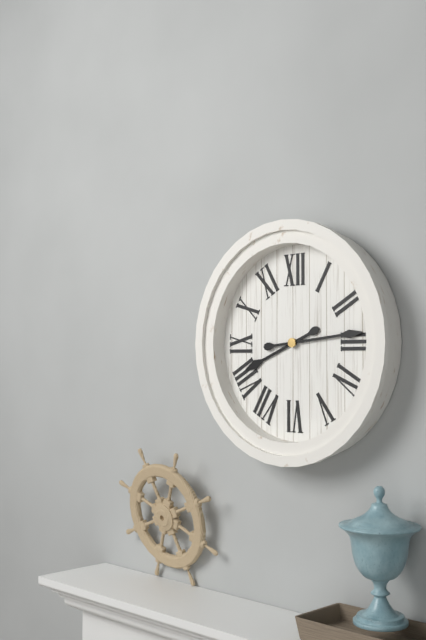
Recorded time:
{"hour": 8, "minute": 14}
